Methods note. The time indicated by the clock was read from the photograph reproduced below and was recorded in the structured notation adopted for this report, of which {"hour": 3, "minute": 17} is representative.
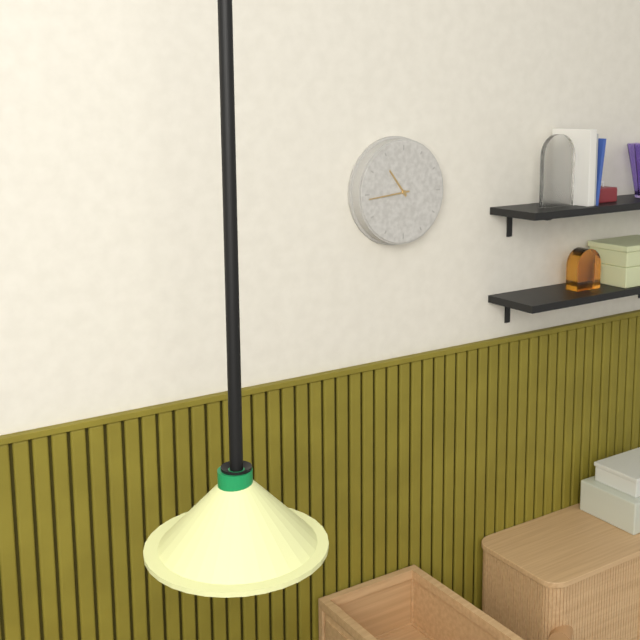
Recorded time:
{"hour": 10, "minute": 44}
